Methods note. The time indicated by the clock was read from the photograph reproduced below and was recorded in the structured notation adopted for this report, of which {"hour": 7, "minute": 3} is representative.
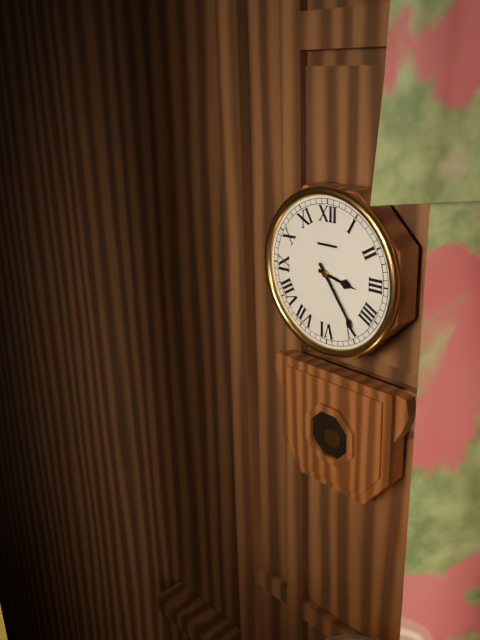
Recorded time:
{"hour": 3, "minute": 24}
